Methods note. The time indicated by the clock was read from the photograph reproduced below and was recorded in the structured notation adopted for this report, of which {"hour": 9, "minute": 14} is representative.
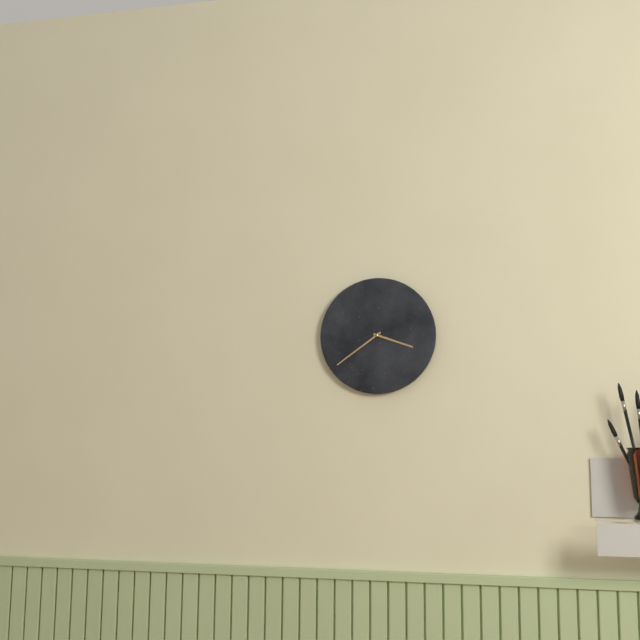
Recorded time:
{"hour": 3, "minute": 39}
